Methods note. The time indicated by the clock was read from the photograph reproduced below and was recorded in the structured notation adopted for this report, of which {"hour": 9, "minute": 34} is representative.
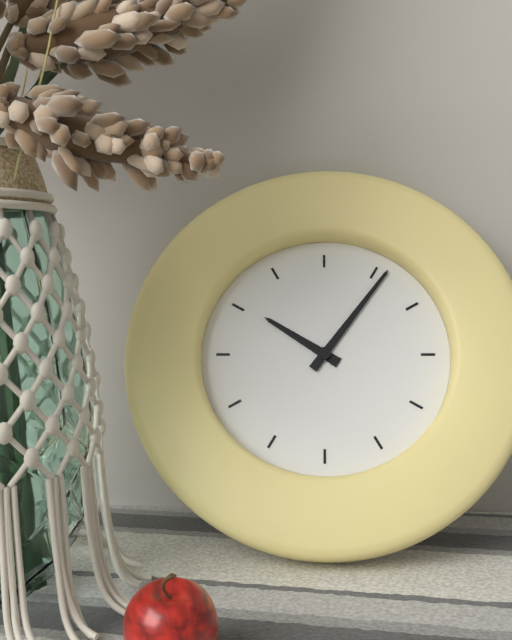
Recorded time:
{"hour": 10, "minute": 6}
